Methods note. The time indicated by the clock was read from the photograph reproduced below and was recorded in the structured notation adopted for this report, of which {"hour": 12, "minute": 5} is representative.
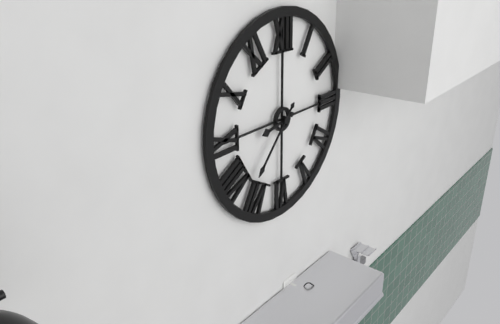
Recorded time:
{"hour": 8, "minute": 37}
